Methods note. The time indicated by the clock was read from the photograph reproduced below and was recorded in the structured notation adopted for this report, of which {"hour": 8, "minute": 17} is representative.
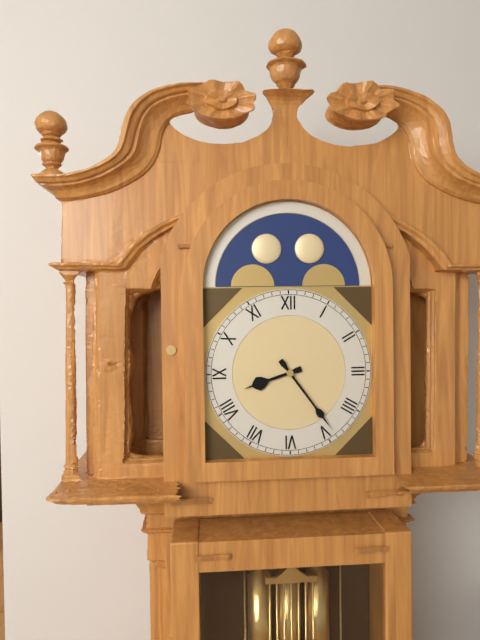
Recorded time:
{"hour": 8, "minute": 24}
